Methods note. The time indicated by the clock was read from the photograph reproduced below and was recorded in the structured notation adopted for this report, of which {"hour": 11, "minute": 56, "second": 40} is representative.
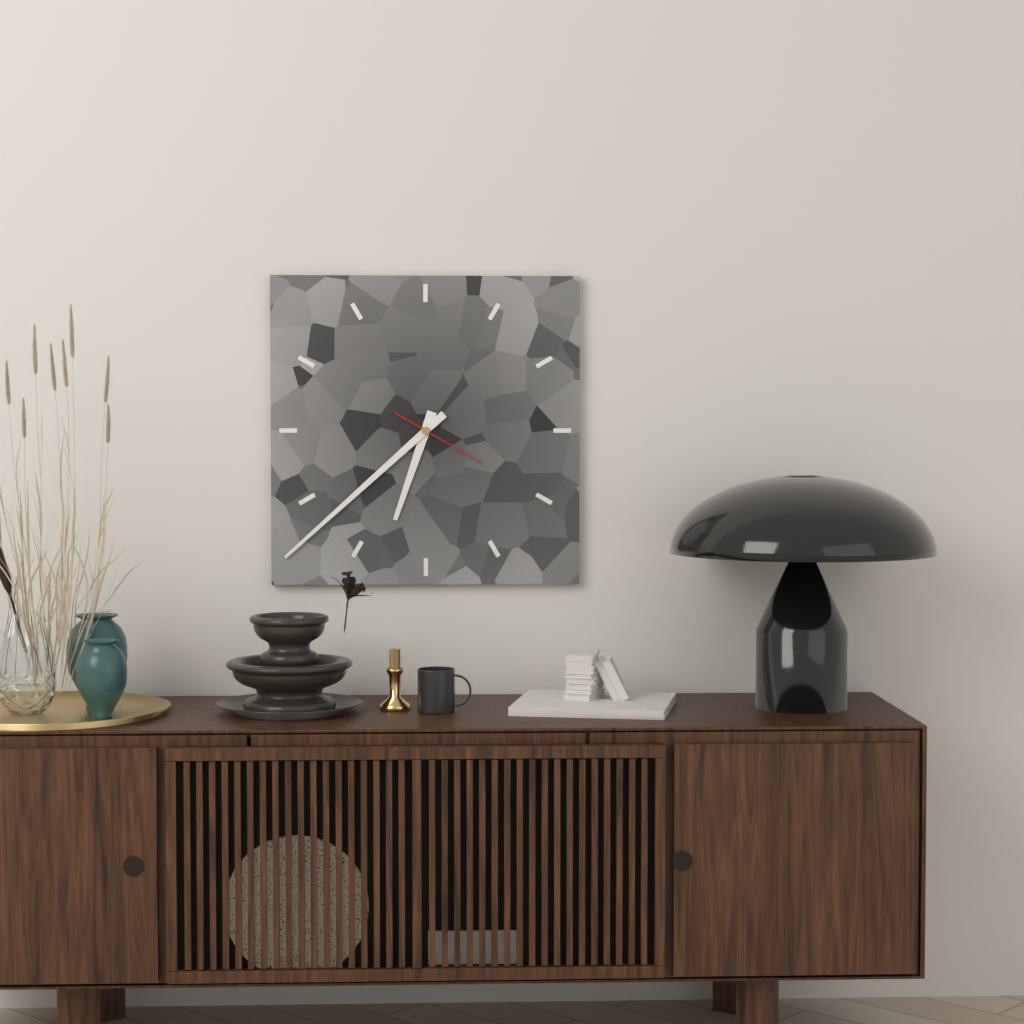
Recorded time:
{"hour": 6, "minute": 38, "second": 20}
